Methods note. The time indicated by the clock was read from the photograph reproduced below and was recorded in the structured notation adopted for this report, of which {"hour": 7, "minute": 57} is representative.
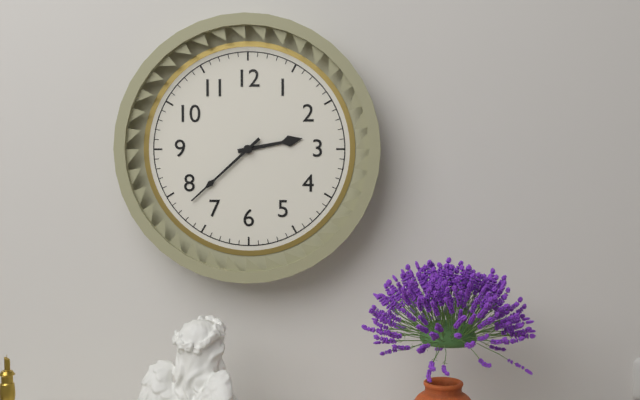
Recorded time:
{"hour": 2, "minute": 38}
